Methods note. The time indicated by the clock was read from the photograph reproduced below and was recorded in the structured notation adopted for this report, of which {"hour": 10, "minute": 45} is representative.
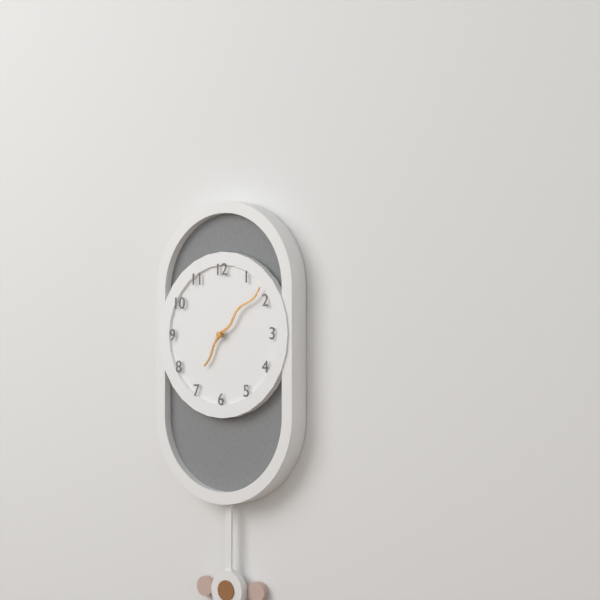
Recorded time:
{"hour": 7, "minute": 8}
